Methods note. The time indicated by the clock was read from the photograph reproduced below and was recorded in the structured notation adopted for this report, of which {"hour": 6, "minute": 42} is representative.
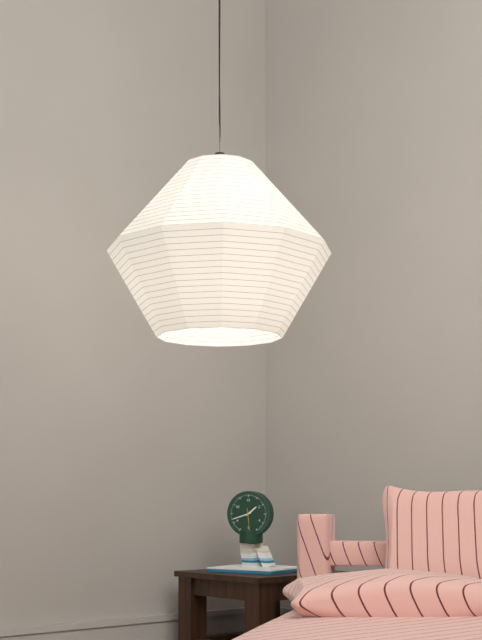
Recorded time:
{"hour": 1, "minute": 42}
